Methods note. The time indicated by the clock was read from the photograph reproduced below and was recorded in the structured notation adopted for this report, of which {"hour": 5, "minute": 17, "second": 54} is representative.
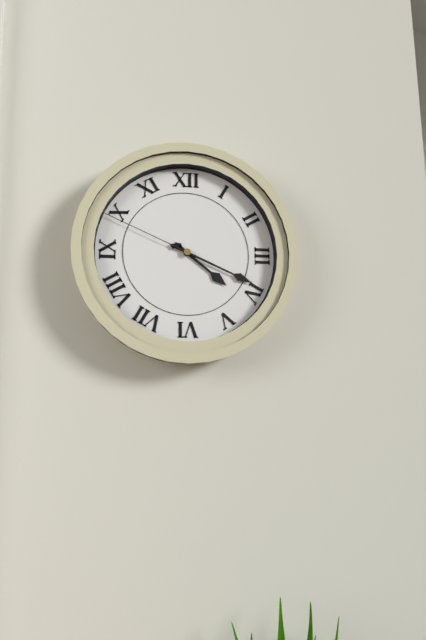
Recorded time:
{"hour": 4, "minute": 19, "second": 49}
